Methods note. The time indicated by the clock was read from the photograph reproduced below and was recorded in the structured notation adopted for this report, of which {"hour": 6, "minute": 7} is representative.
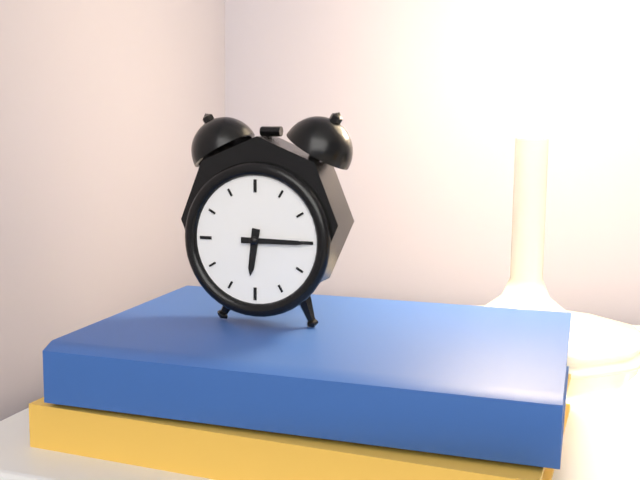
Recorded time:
{"hour": 6, "minute": 15}
